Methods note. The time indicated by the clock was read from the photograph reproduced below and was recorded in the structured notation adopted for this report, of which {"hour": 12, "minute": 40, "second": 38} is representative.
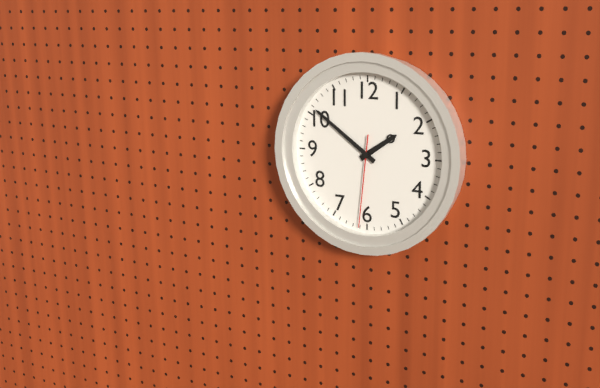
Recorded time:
{"hour": 1, "minute": 51, "second": 31}
